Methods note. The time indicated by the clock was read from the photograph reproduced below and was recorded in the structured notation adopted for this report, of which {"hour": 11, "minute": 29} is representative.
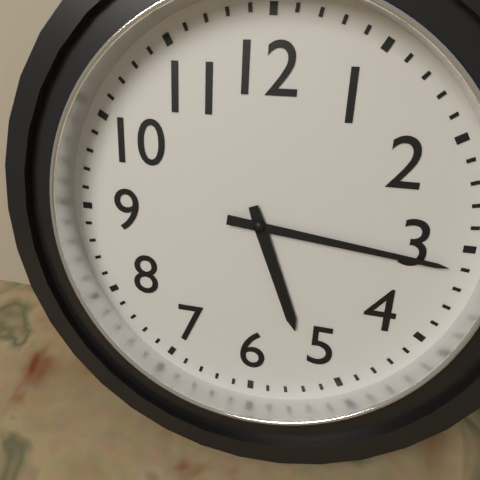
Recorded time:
{"hour": 5, "minute": 16}
